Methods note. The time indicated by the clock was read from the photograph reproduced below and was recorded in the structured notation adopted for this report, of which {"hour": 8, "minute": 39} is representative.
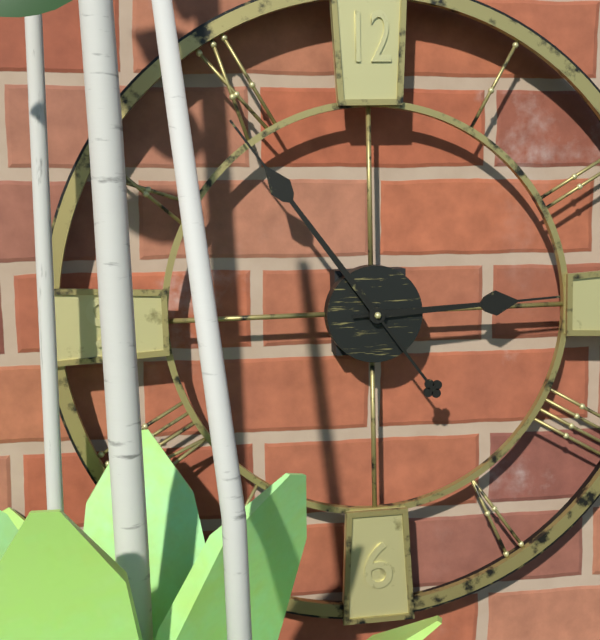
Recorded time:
{"hour": 2, "minute": 54}
